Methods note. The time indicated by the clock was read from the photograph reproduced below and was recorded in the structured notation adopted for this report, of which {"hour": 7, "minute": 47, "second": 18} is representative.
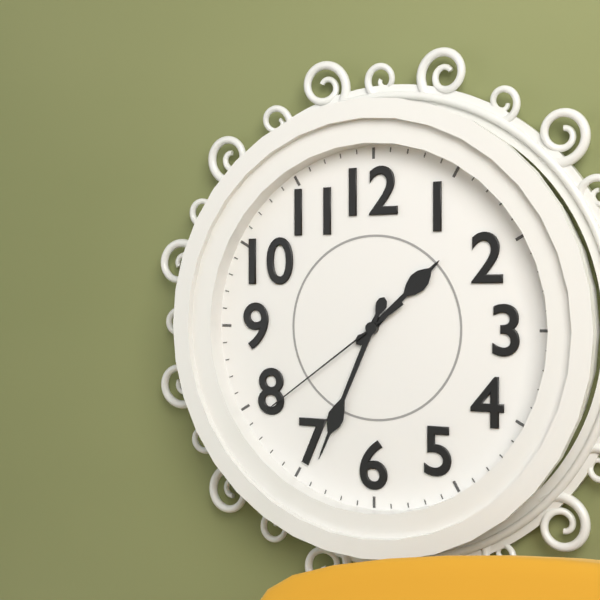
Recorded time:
{"hour": 1, "minute": 34, "second": 39}
